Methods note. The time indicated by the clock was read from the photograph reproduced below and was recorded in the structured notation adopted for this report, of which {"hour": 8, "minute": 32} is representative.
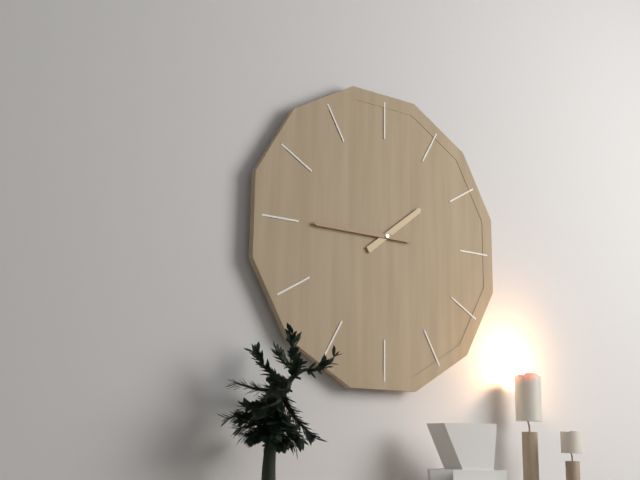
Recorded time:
{"hour": 1, "minute": 45}
